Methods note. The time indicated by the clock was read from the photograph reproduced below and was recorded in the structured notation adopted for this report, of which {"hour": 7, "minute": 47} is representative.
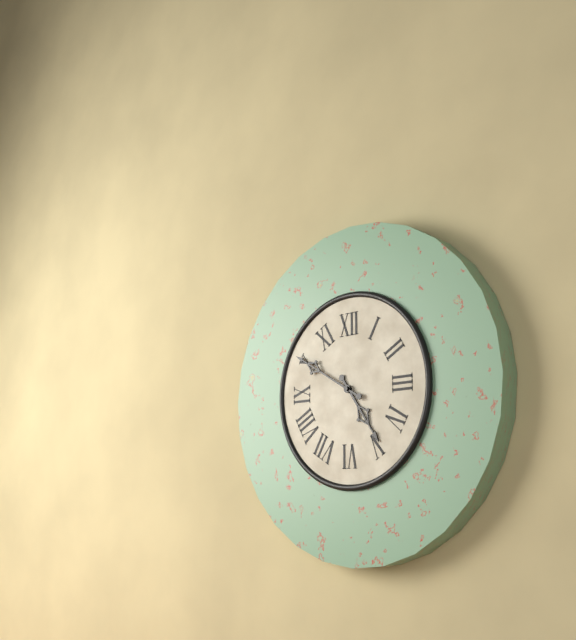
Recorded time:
{"hour": 4, "minute": 50}
